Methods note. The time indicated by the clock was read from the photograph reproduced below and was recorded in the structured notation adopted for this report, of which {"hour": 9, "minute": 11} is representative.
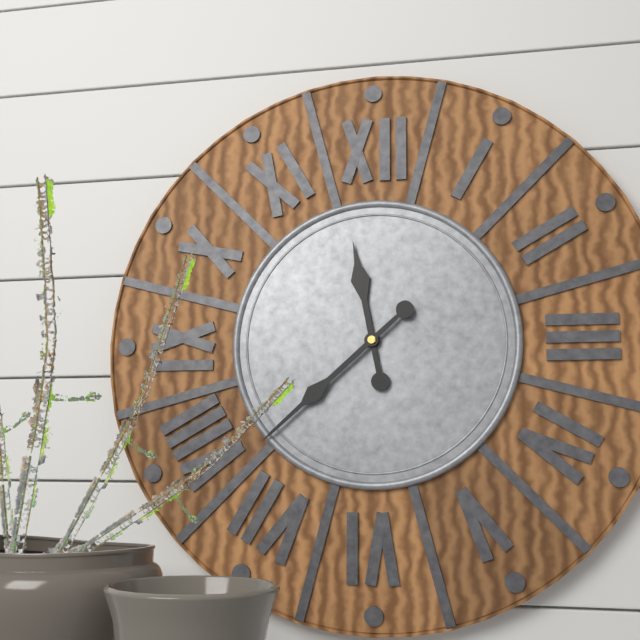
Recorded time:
{"hour": 11, "minute": 38}
